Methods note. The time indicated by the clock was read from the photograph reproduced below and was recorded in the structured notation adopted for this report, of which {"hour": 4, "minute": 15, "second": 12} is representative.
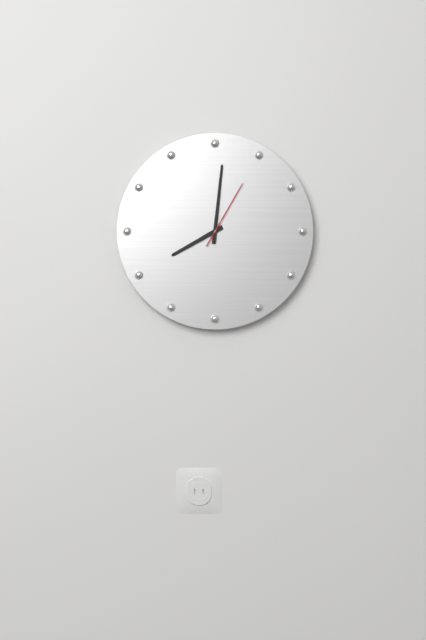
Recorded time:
{"hour": 8, "minute": 1, "second": 5}
